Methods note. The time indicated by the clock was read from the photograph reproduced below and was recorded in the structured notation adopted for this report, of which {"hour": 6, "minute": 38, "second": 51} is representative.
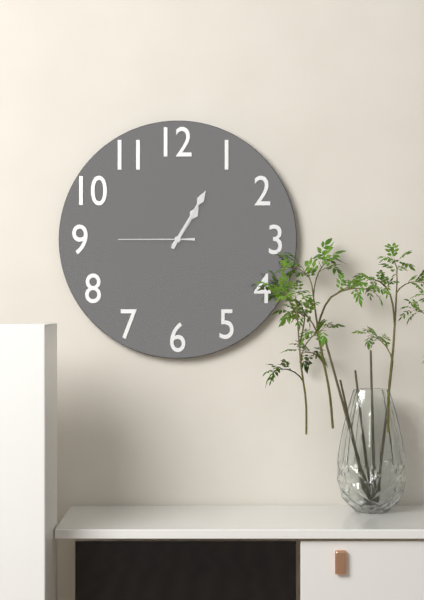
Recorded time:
{"hour": 1, "minute": 5, "second": 45}
